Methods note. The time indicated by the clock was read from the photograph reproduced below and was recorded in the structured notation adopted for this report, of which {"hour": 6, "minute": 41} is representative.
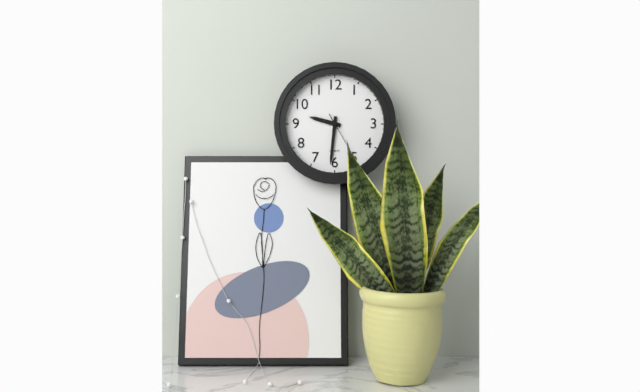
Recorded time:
{"hour": 9, "minute": 31}
